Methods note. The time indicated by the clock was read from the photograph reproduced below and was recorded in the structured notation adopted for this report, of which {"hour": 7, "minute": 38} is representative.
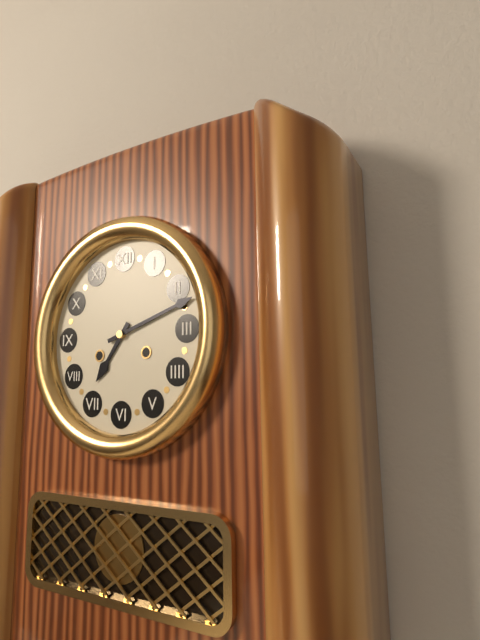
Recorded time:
{"hour": 7, "minute": 12}
